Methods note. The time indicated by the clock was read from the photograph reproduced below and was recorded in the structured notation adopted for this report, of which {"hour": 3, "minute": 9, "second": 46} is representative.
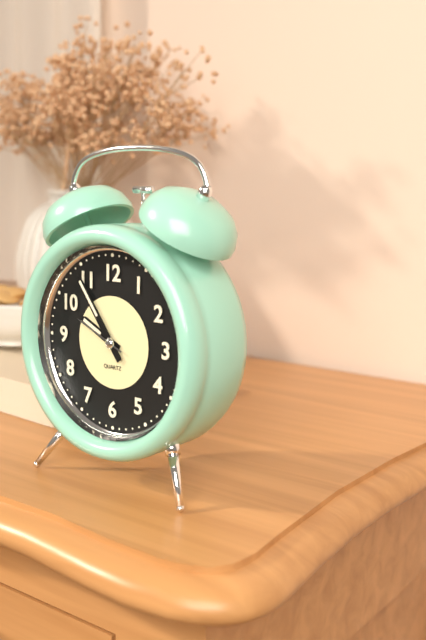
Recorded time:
{"hour": 9, "minute": 54, "second": 49}
